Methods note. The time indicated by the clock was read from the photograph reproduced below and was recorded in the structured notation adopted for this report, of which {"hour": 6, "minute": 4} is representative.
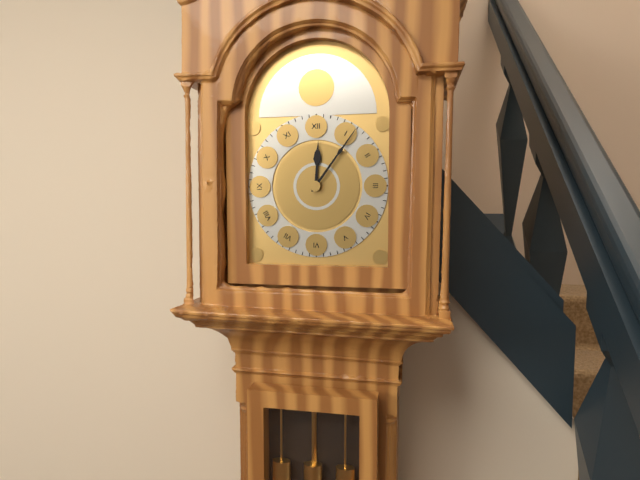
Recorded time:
{"hour": 12, "minute": 6}
